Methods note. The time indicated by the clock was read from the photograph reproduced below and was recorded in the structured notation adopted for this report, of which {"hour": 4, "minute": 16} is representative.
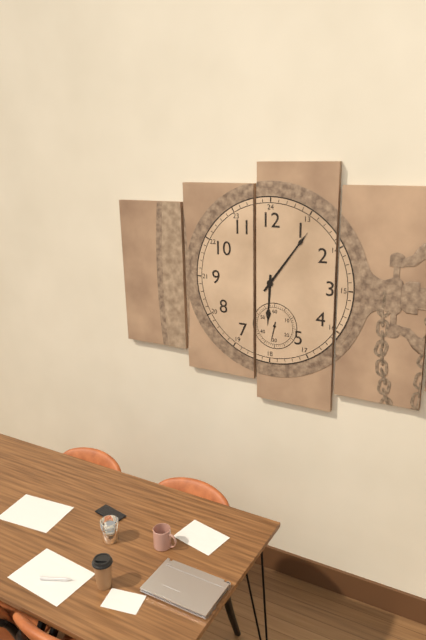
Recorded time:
{"hour": 6, "minute": 6}
